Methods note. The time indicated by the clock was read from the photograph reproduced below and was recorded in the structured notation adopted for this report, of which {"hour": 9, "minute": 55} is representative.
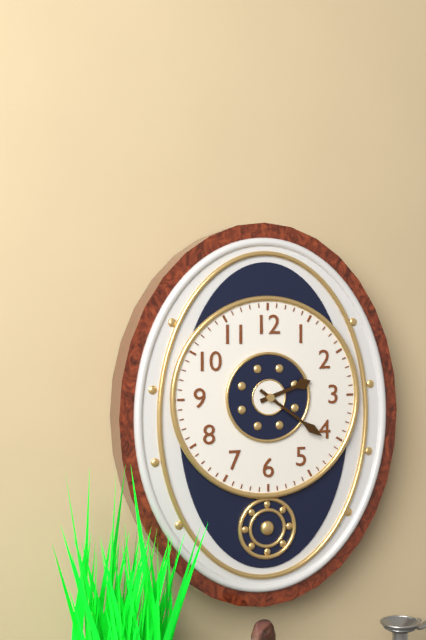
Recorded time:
{"hour": 2, "minute": 21}
